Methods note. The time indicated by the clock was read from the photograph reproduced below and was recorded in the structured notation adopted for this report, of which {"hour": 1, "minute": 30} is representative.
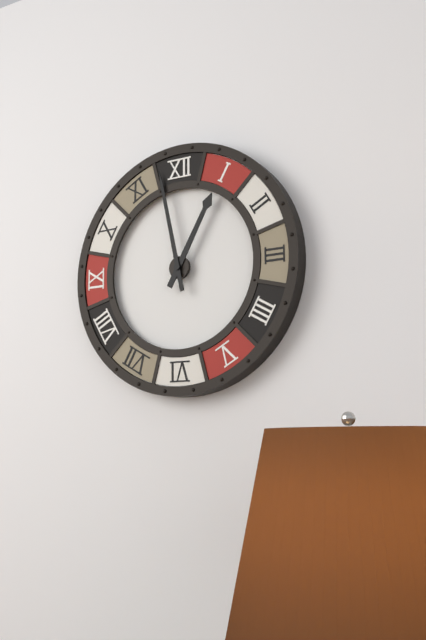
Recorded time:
{"hour": 12, "minute": 58}
